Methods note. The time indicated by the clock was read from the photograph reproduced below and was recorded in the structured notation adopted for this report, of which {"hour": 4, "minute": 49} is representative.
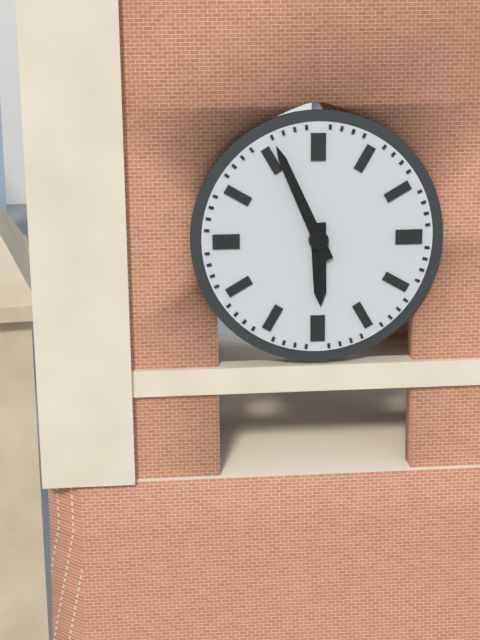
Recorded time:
{"hour": 5, "minute": 56}
